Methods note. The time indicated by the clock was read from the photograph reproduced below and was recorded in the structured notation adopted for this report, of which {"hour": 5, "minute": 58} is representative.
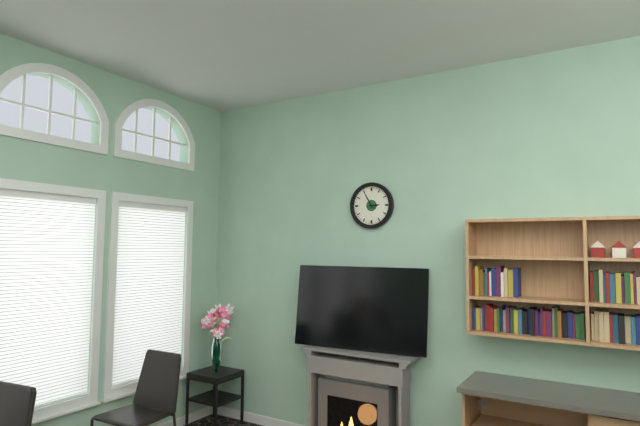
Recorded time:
{"hour": 2, "minute": 55}
